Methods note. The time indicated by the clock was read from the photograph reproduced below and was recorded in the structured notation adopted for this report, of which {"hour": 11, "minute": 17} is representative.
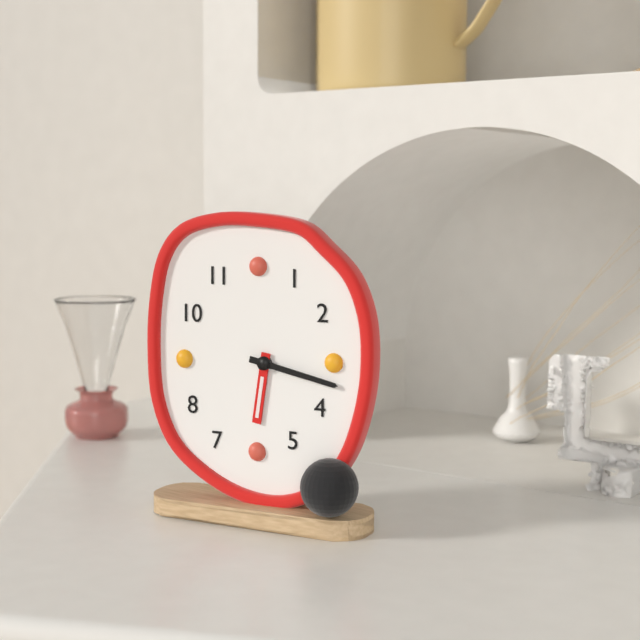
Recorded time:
{"hour": 6, "minute": 17}
